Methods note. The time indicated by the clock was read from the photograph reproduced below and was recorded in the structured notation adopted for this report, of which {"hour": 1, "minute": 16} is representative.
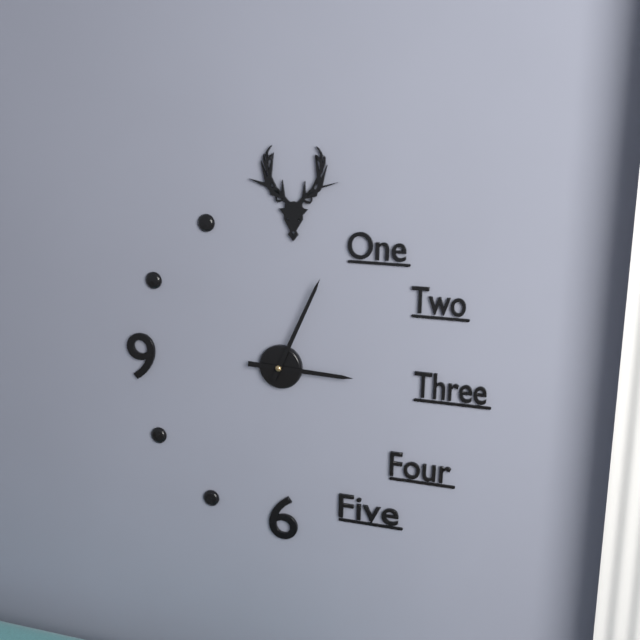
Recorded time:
{"hour": 3, "minute": 4}
